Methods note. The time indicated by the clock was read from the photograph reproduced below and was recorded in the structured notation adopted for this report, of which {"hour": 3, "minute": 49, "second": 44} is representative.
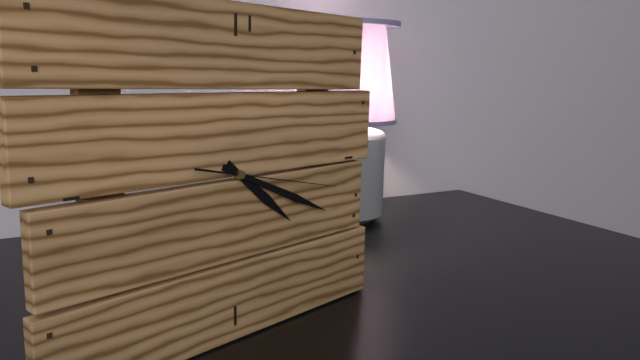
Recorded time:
{"hour": 4, "minute": 19, "second": 17}
